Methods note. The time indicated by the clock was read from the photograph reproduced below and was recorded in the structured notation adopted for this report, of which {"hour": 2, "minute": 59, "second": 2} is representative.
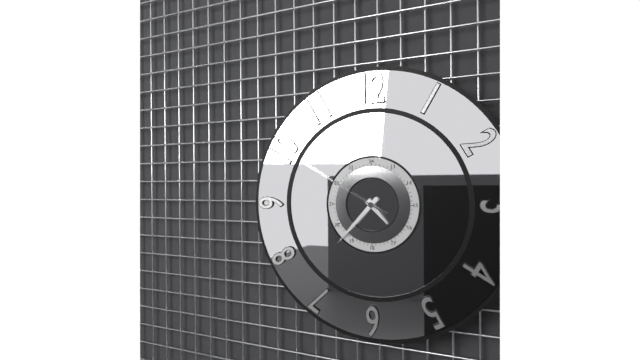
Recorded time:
{"hour": 4, "minute": 37, "second": 50}
